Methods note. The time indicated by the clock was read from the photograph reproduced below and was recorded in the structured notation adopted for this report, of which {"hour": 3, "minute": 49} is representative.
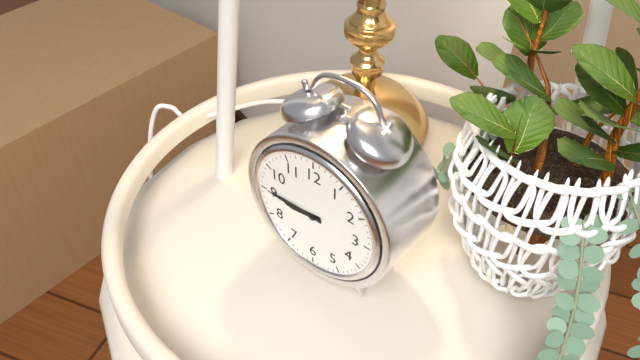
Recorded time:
{"hour": 8, "minute": 45}
